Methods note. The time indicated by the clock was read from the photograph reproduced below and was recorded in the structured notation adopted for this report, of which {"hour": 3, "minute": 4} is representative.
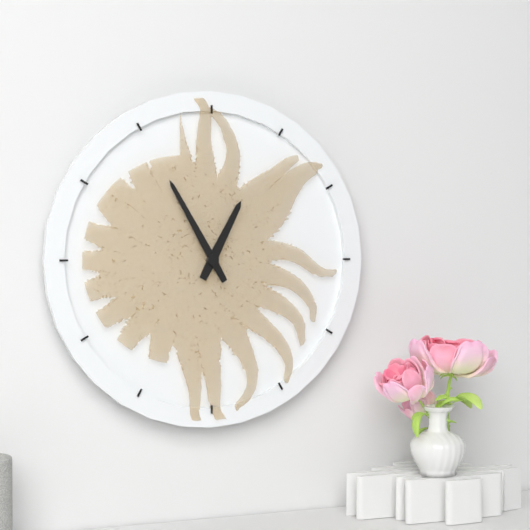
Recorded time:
{"hour": 12, "minute": 55}
